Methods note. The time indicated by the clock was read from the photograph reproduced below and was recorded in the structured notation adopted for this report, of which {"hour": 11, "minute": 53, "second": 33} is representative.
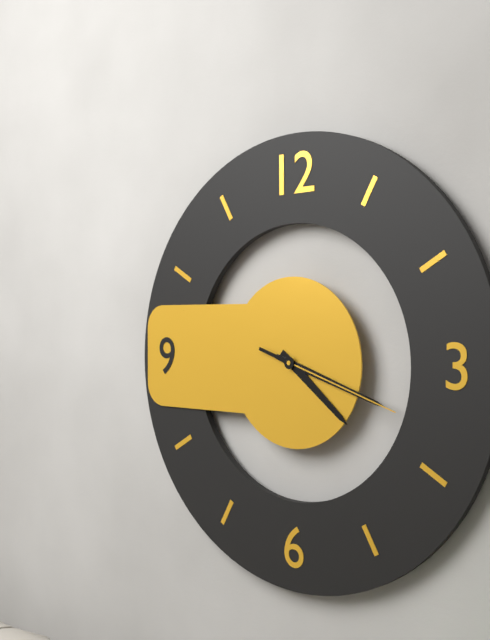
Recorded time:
{"hour": 4, "minute": 18, "second": 18}
